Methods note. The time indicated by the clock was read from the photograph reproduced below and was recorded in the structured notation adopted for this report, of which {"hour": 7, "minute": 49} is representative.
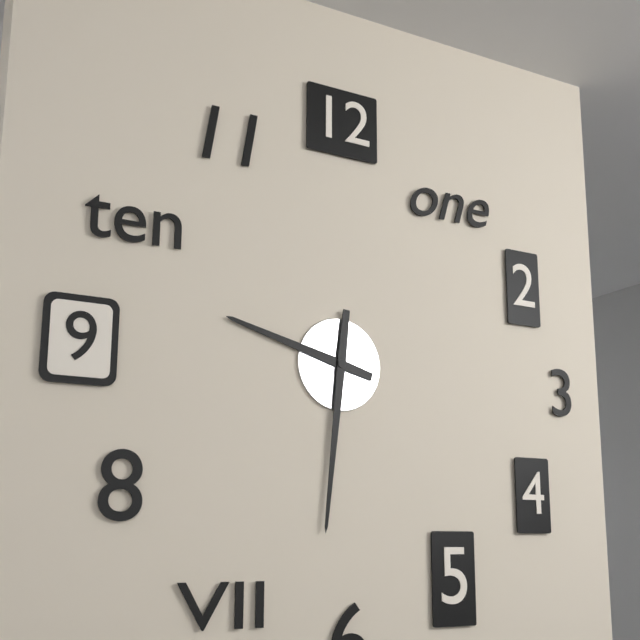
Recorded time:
{"hour": 9, "minute": 31}
